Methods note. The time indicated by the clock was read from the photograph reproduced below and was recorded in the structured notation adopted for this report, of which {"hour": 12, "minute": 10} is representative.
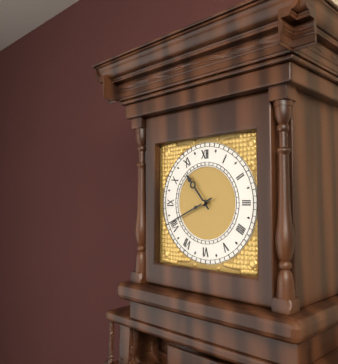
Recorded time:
{"hour": 10, "minute": 41}
